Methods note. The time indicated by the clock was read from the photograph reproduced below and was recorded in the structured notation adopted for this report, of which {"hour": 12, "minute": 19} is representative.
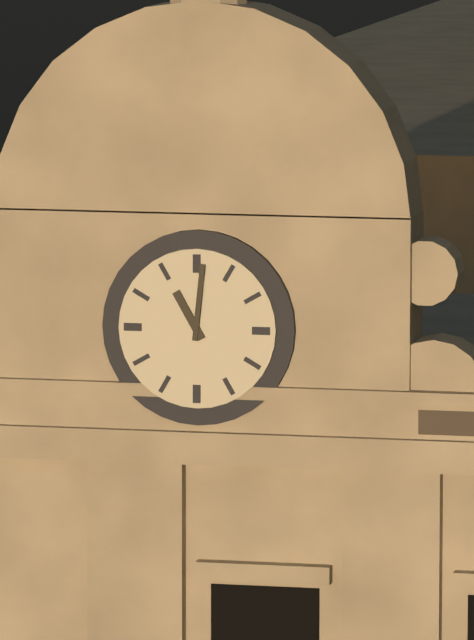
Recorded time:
{"hour": 11, "minute": 1}
